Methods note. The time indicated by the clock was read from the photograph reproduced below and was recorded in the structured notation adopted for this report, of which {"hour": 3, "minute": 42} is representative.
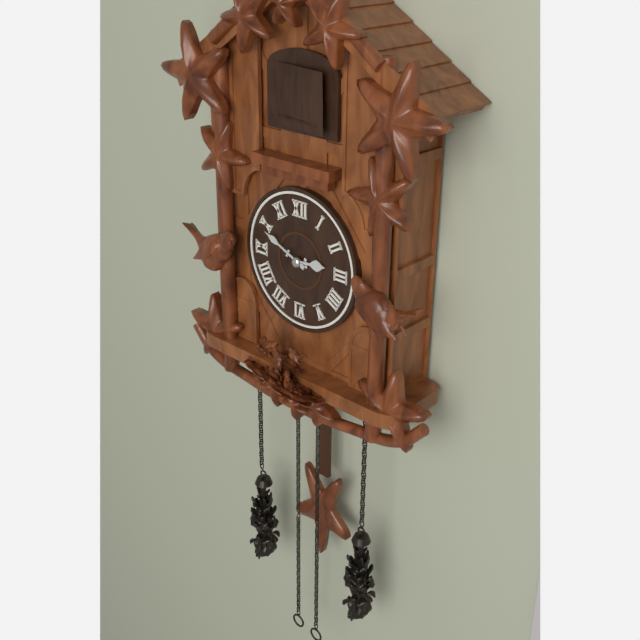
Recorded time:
{"hour": 2, "minute": 49}
